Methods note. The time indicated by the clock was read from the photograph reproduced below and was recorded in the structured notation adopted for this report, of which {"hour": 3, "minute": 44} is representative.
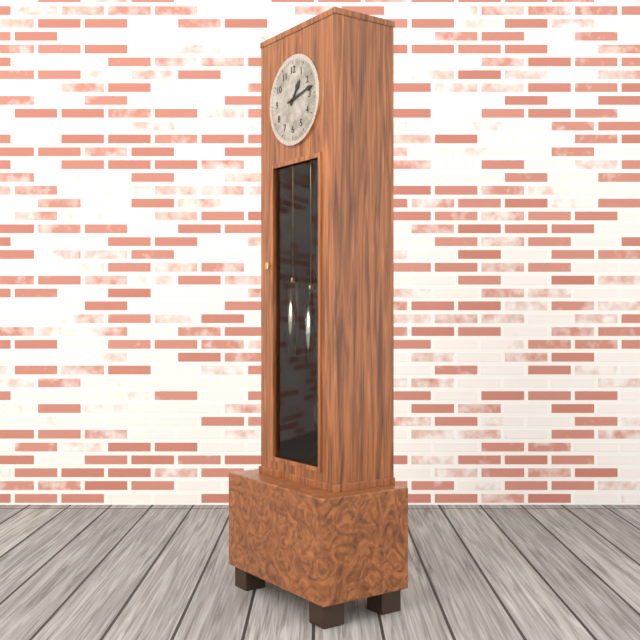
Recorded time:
{"hour": 1, "minute": 13}
